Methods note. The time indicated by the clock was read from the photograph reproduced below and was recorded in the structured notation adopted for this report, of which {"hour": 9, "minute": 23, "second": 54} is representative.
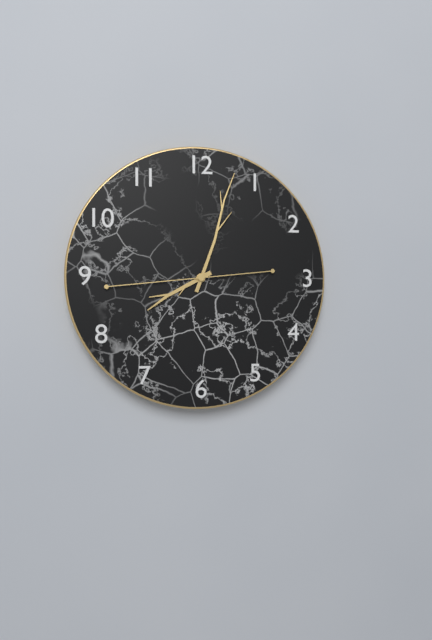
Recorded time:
{"hour": 8, "minute": 3, "second": 44}
